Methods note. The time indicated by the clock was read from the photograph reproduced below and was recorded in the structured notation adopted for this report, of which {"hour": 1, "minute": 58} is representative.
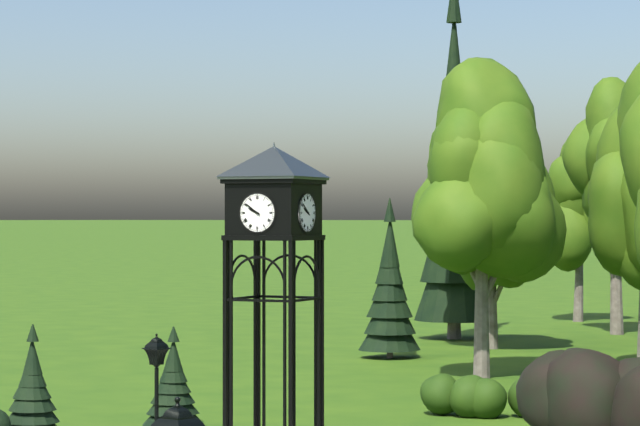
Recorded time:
{"hour": 9, "minute": 51}
